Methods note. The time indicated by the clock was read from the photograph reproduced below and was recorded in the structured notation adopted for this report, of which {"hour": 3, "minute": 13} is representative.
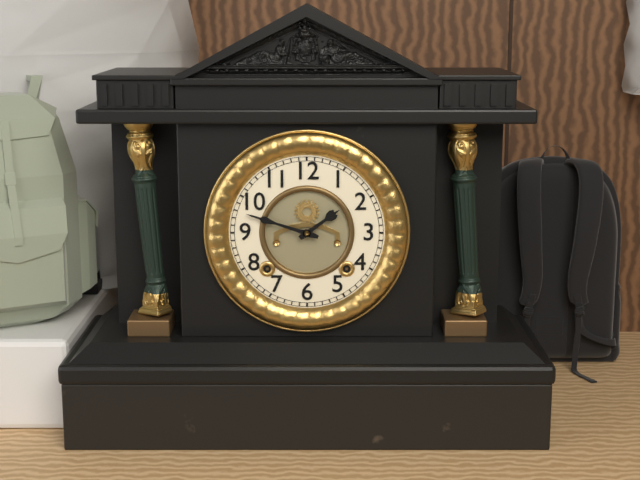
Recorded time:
{"hour": 1, "minute": 48}
